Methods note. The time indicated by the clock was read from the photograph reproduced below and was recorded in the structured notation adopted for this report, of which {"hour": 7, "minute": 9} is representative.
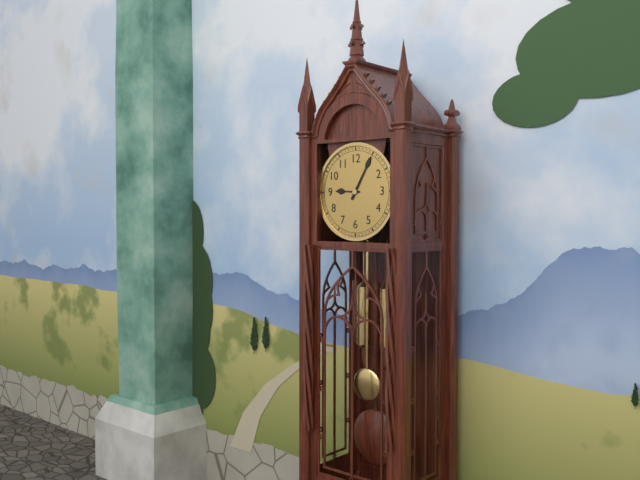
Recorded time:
{"hour": 9, "minute": 5}
